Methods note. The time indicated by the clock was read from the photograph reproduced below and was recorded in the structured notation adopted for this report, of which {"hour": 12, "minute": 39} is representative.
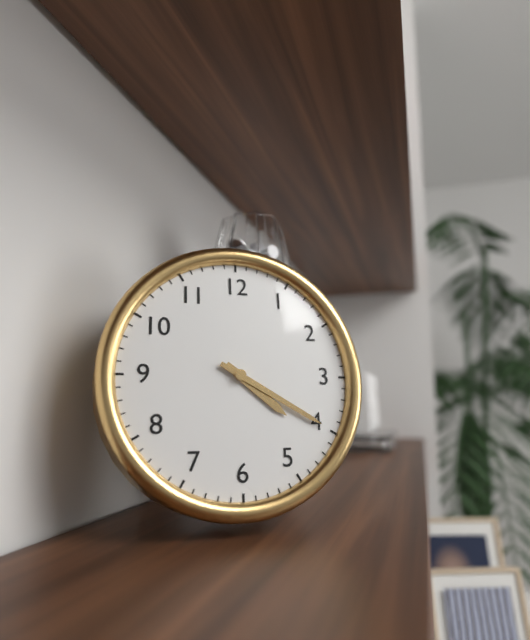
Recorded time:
{"hour": 4, "minute": 20}
